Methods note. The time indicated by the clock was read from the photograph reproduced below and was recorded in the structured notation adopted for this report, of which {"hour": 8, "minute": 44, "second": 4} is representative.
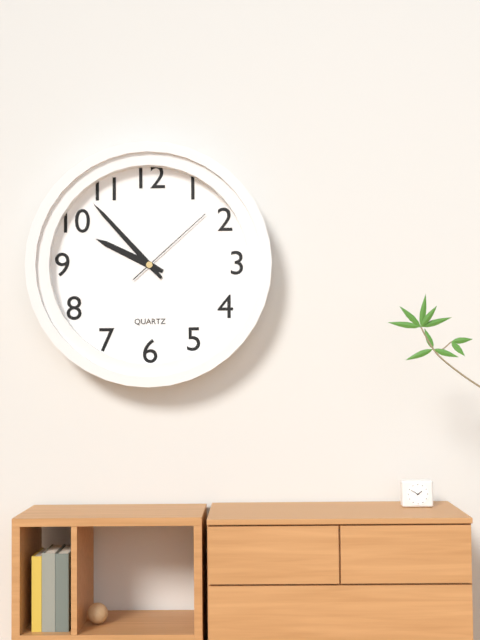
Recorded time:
{"hour": 9, "minute": 53, "second": 8}
